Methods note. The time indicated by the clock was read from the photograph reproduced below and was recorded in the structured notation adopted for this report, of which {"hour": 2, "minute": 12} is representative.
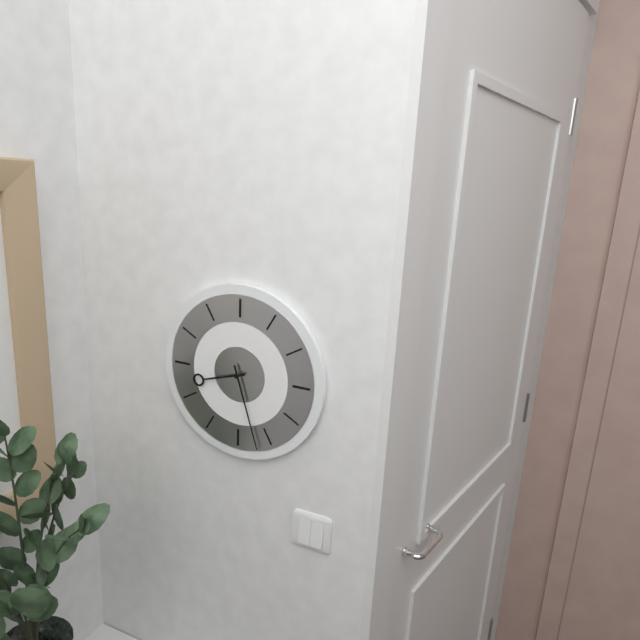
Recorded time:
{"hour": 8, "minute": 27}
